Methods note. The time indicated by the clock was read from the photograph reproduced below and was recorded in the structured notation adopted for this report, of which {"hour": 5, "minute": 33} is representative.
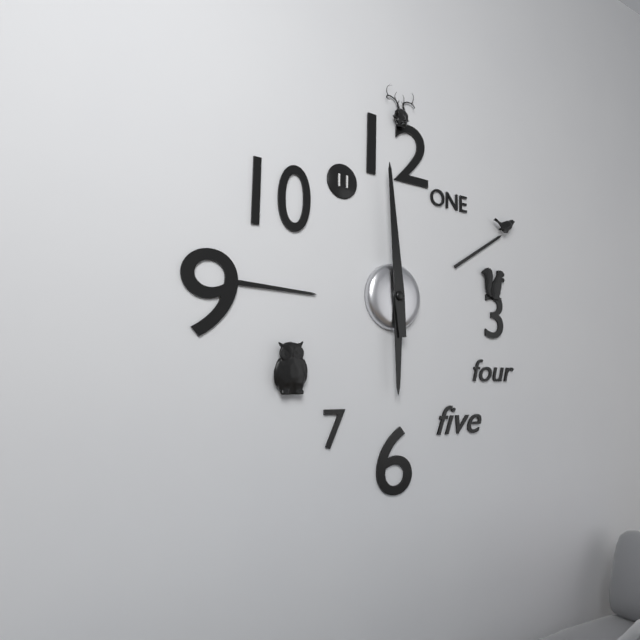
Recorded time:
{"hour": 5, "minute": 59}
